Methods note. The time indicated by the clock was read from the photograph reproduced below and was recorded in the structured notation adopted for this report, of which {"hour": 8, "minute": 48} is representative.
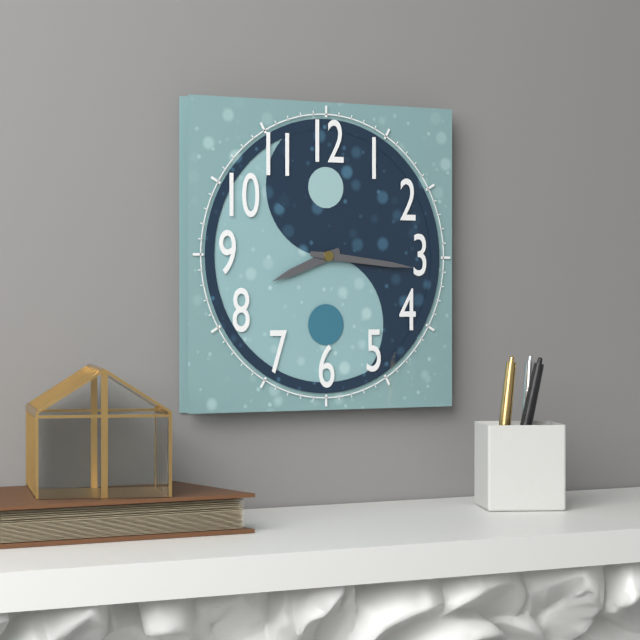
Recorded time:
{"hour": 8, "minute": 16}
